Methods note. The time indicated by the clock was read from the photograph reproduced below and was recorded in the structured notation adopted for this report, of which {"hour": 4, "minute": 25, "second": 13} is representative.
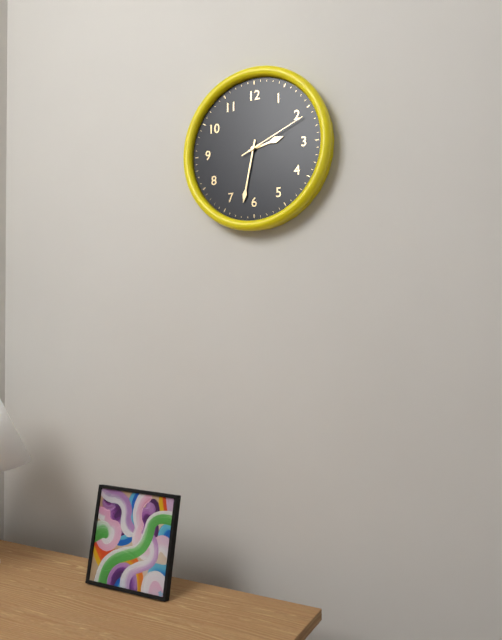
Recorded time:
{"hour": 2, "minute": 32, "second": 11}
